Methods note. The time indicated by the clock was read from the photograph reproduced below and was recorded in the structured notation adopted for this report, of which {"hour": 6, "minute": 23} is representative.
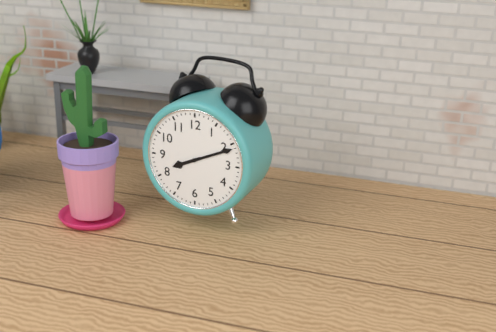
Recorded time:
{"hour": 8, "minute": 11}
